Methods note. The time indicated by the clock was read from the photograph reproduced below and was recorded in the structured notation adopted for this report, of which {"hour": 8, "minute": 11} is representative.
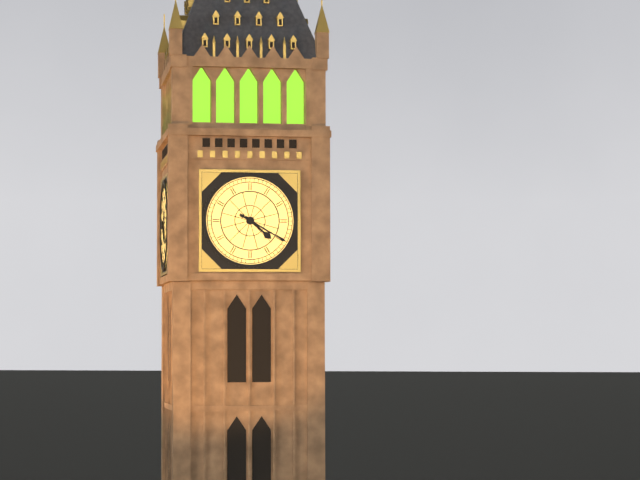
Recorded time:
{"hour": 4, "minute": 20}
